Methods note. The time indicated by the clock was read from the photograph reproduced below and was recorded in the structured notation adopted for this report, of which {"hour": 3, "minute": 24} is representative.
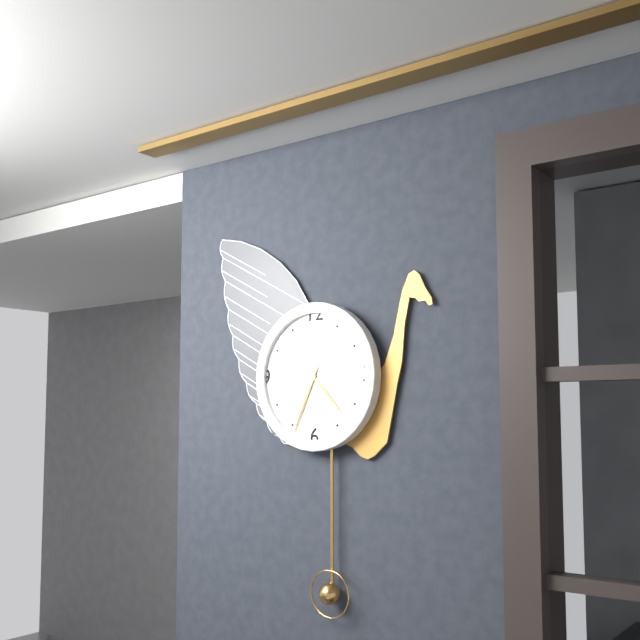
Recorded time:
{"hour": 4, "minute": 34}
